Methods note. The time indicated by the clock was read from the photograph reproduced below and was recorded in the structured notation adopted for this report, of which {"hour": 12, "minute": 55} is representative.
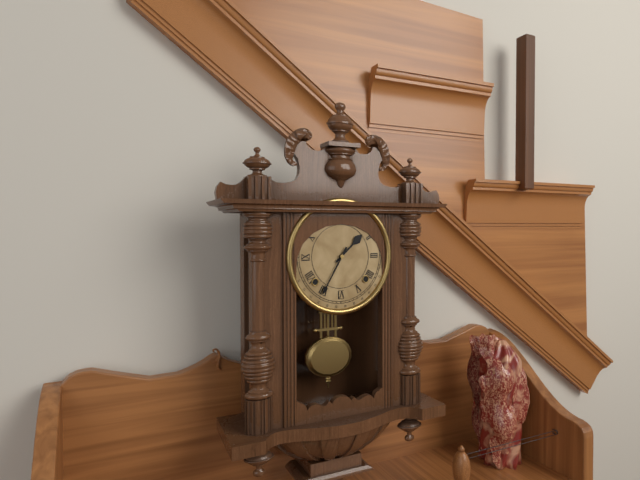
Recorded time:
{"hour": 1, "minute": 35}
